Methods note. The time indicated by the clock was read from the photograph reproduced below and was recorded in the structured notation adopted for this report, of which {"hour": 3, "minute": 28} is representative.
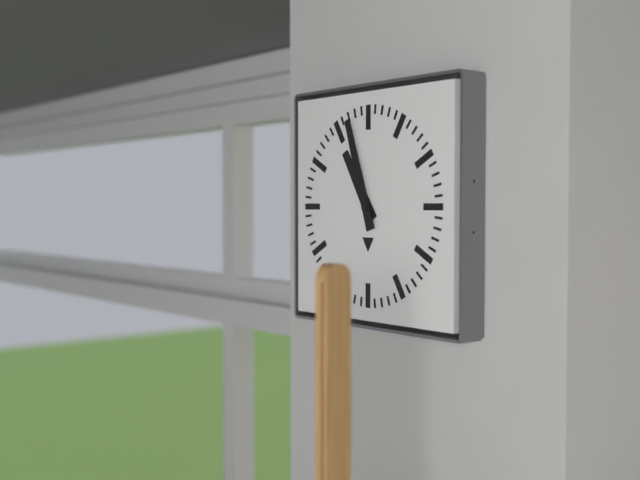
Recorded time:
{"hour": 10, "minute": 57}
